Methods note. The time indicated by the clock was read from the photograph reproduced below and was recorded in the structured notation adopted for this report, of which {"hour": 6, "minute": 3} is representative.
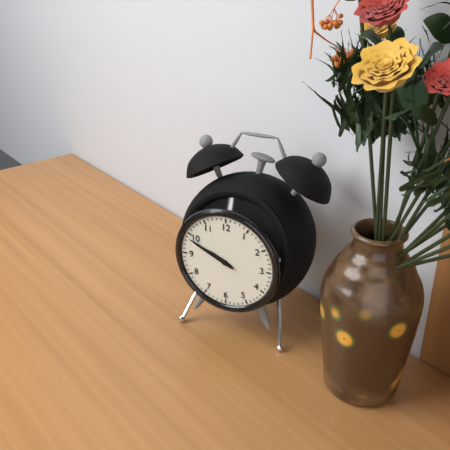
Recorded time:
{"hour": 9, "minute": 49}
